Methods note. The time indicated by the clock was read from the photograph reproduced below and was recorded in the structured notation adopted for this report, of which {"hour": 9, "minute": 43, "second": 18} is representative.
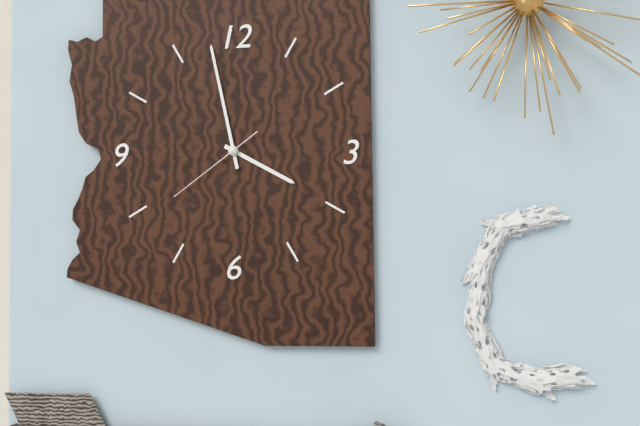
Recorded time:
{"hour": 3, "minute": 58, "second": 39}
